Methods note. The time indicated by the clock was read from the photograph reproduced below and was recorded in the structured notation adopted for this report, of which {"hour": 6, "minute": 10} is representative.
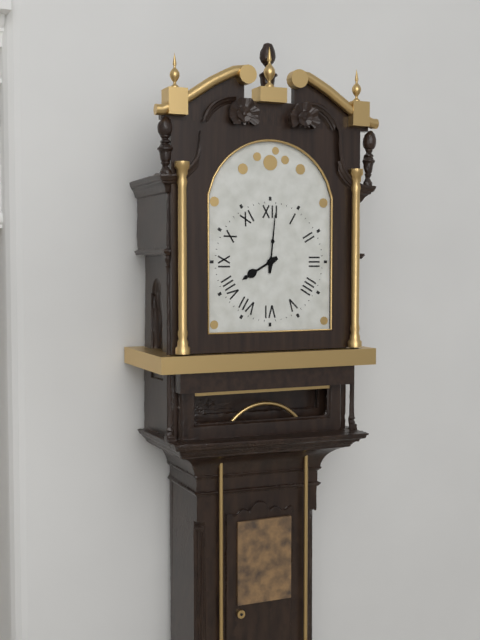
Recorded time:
{"hour": 8, "minute": 1}
